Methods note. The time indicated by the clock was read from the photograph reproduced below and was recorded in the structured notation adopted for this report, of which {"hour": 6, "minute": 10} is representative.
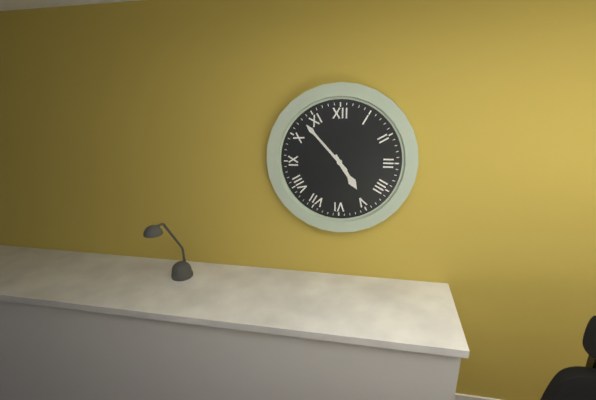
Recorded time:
{"hour": 4, "minute": 53}
